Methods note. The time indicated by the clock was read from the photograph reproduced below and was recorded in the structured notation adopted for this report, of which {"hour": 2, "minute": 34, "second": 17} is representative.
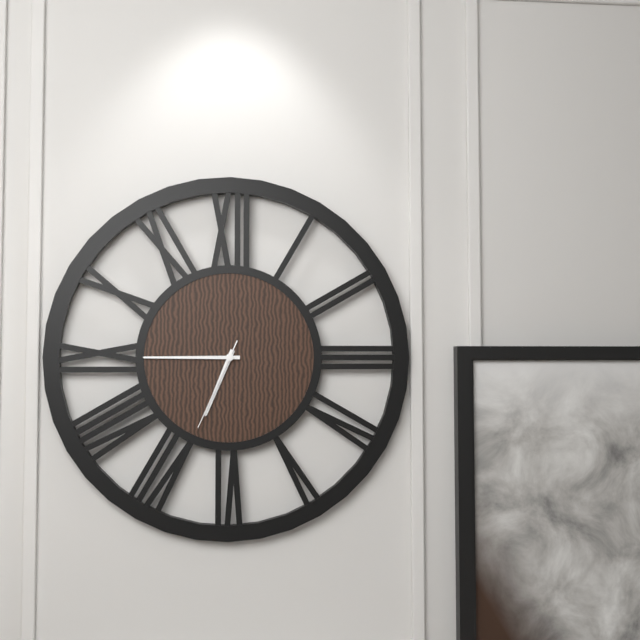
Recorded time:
{"hour": 6, "minute": 45, "second": 34}
